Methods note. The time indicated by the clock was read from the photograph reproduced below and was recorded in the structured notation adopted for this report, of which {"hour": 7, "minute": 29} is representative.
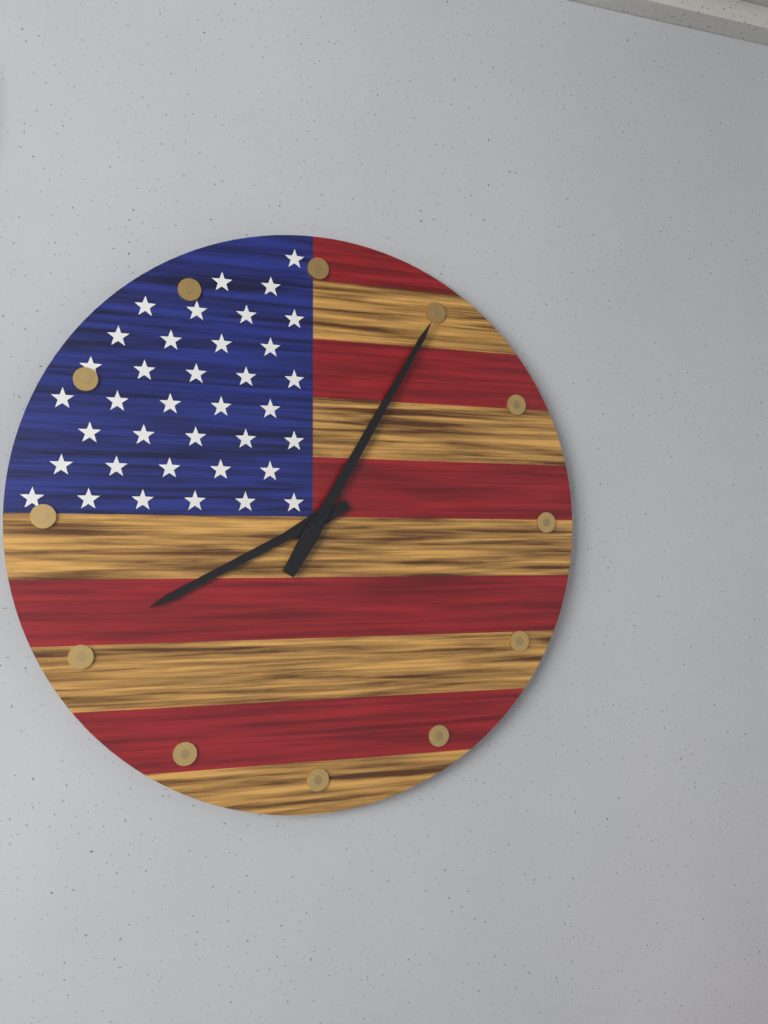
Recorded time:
{"hour": 8, "minute": 5}
